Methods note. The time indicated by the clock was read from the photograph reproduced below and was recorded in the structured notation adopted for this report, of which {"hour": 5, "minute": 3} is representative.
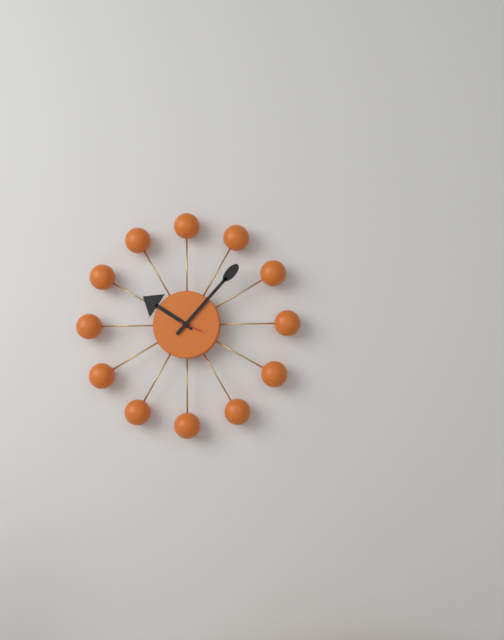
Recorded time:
{"hour": 10, "minute": 7}
